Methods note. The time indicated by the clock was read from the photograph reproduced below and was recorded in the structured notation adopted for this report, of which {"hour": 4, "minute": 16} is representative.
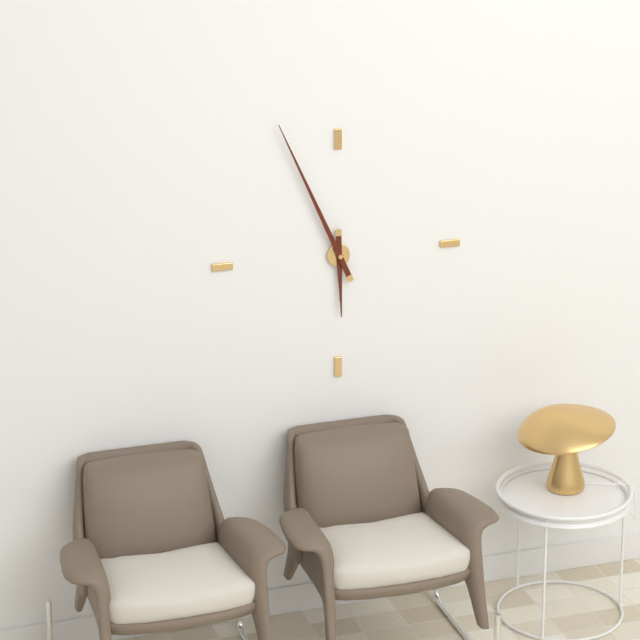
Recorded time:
{"hour": 5, "minute": 56}
